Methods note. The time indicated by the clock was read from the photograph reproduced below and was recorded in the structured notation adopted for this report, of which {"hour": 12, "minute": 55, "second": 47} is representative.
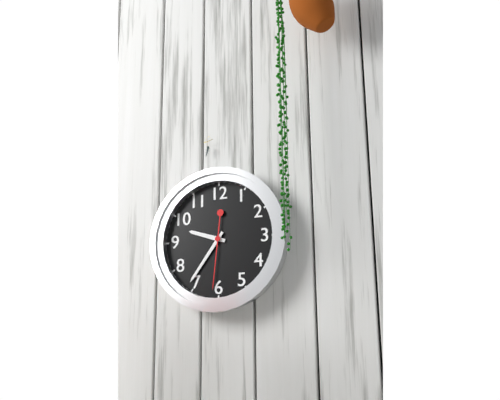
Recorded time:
{"hour": 9, "minute": 36, "second": 31}
